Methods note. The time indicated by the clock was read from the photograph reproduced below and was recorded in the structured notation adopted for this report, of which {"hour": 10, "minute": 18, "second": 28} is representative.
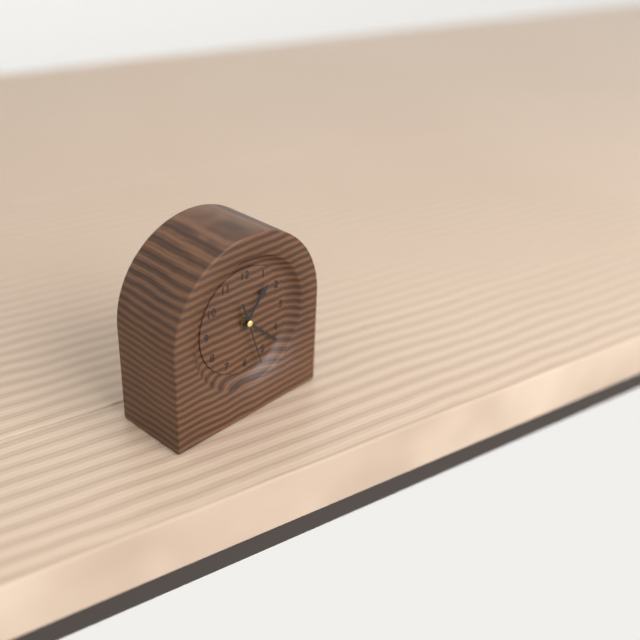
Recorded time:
{"hour": 1, "minute": 22, "second": 27}
